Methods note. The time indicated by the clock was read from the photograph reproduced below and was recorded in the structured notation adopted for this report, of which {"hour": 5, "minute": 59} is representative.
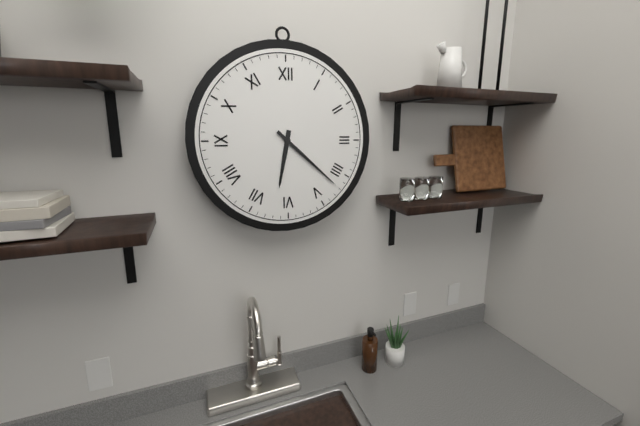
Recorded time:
{"hour": 6, "minute": 22}
